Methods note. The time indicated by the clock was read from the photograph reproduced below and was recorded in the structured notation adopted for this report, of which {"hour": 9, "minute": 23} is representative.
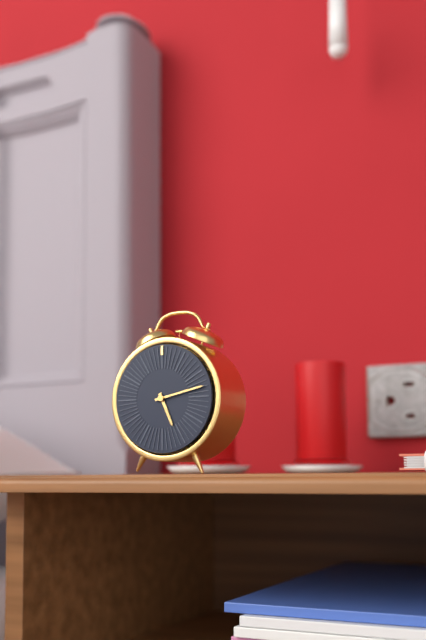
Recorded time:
{"hour": 5, "minute": 13}
